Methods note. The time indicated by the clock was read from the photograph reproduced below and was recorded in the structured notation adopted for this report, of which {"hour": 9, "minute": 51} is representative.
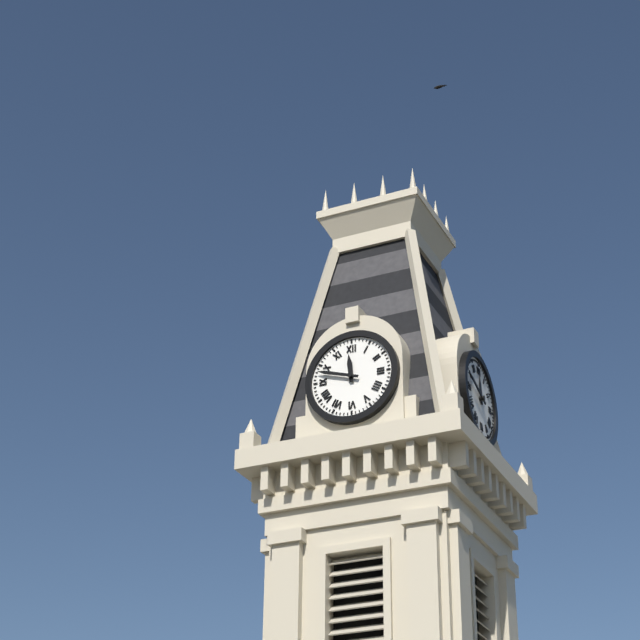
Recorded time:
{"hour": 11, "minute": 48}
